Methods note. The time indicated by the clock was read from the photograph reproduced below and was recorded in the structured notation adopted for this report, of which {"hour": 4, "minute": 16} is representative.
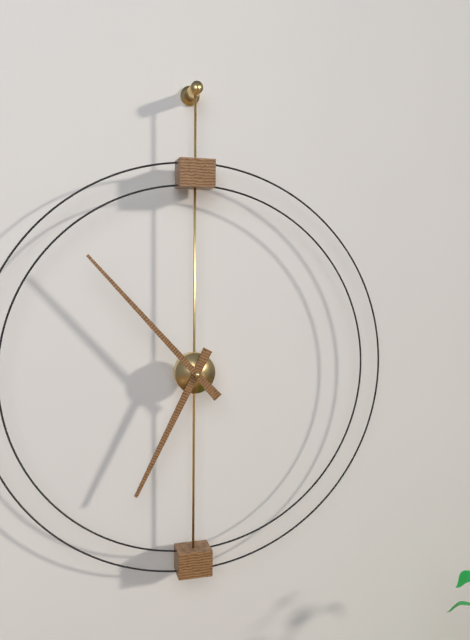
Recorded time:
{"hour": 6, "minute": 53}
